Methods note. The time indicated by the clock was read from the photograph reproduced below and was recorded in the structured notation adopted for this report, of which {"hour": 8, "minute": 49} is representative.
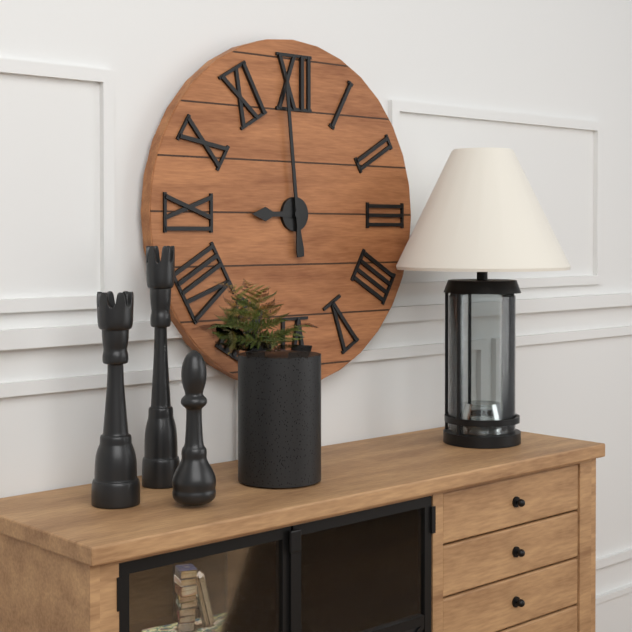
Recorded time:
{"hour": 8, "minute": 59}
